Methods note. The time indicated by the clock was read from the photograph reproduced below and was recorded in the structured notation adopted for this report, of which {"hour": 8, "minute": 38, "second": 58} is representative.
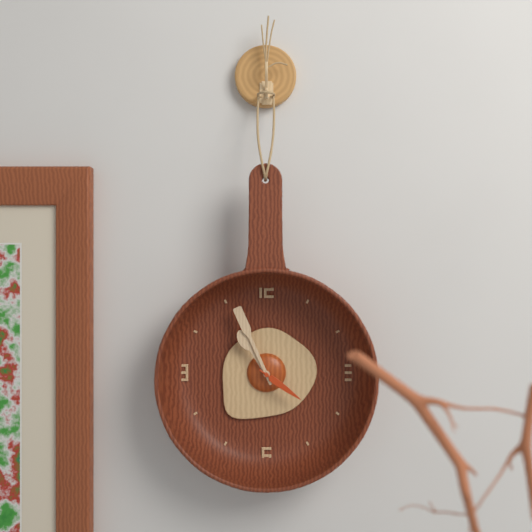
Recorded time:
{"hour": 10, "minute": 56, "second": 21}
